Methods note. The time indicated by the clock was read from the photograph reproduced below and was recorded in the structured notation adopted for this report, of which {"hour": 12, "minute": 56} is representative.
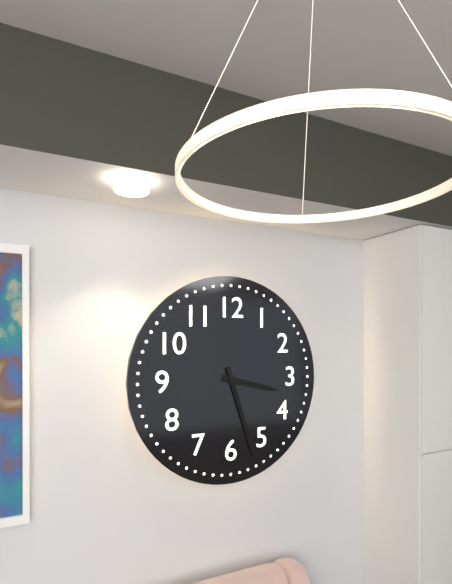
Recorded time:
{"hour": 3, "minute": 27}
